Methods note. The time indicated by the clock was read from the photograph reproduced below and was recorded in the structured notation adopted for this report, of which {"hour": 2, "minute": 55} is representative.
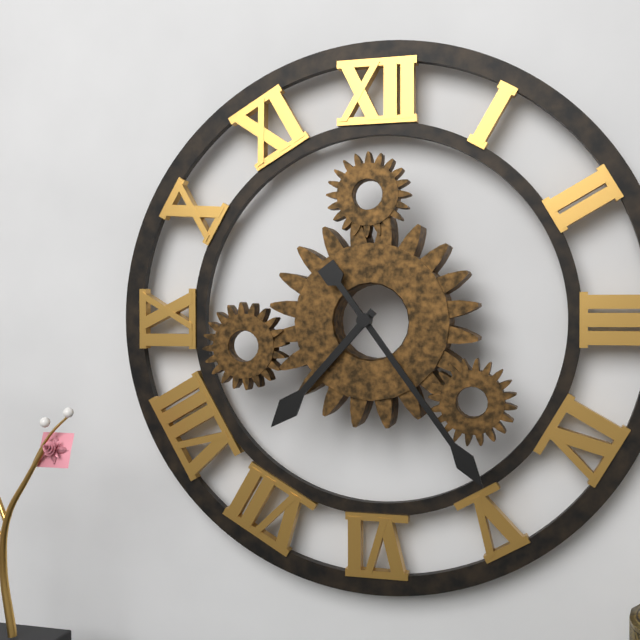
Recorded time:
{"hour": 7, "minute": 24}
